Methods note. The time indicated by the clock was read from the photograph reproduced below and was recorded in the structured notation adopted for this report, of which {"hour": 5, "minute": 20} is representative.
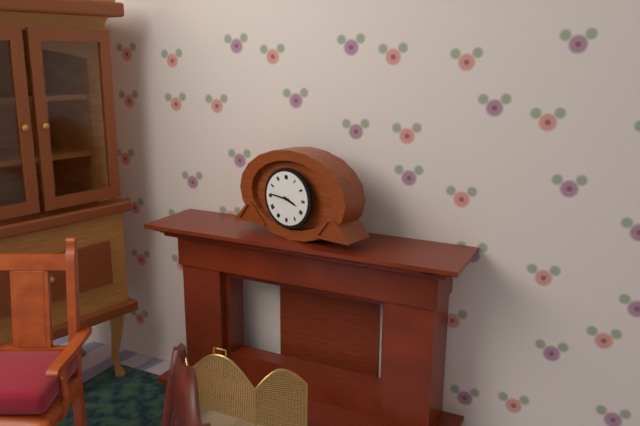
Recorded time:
{"hour": 3, "minute": 46}
